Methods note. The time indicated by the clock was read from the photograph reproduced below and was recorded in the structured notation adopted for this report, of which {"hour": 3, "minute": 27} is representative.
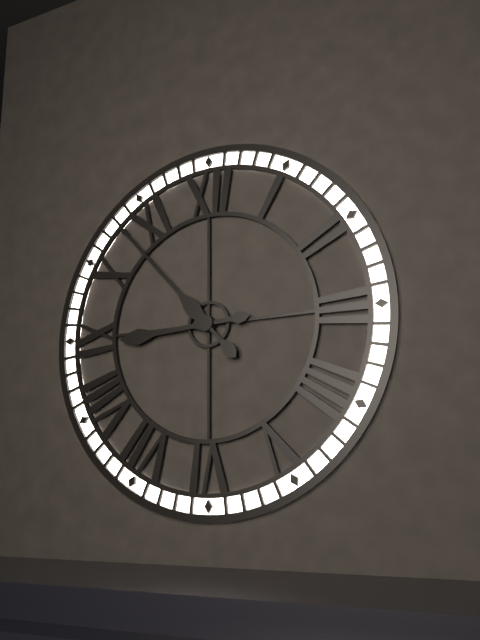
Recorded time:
{"hour": 8, "minute": 53}
